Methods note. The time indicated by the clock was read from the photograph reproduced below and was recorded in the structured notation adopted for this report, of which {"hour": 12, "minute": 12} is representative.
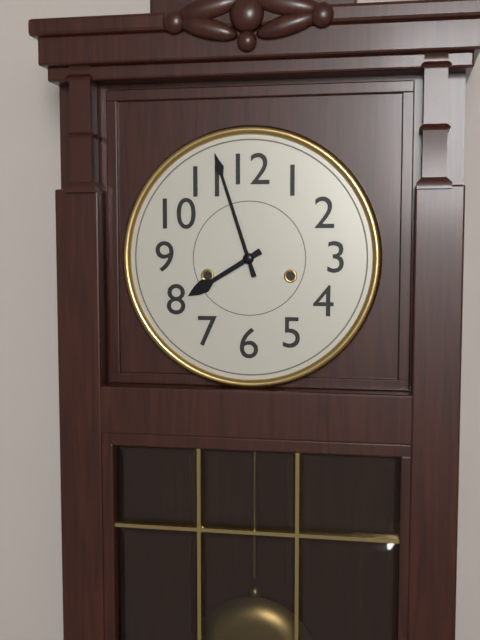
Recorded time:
{"hour": 7, "minute": 57}
